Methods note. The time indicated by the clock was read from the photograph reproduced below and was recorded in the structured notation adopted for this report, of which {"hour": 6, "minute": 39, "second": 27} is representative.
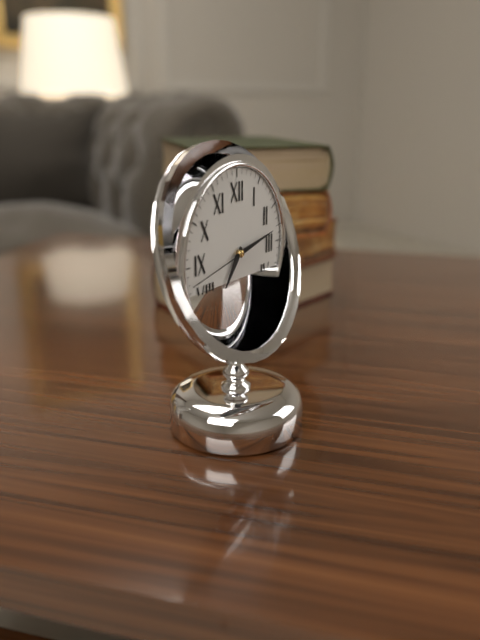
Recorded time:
{"hour": 7, "minute": 13, "second": 43}
